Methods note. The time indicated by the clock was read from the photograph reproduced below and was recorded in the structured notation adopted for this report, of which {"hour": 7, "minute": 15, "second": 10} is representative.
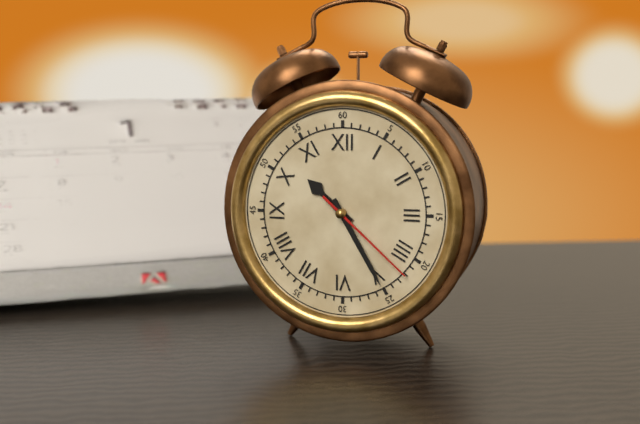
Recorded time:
{"hour": 10, "minute": 25, "second": 22}
